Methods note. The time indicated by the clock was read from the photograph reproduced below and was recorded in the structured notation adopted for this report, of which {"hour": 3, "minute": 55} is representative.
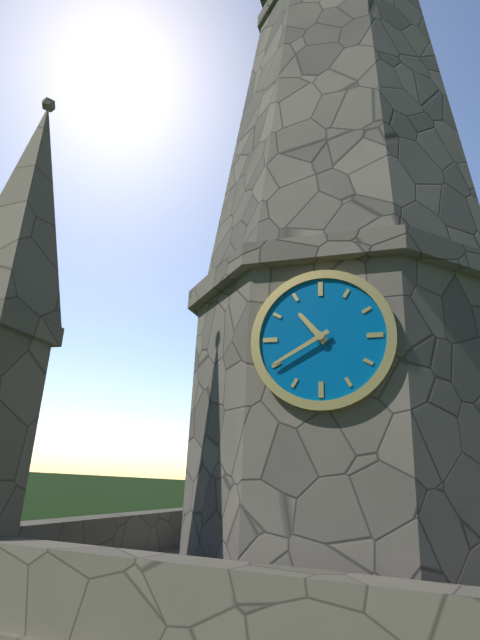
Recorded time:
{"hour": 10, "minute": 40}
